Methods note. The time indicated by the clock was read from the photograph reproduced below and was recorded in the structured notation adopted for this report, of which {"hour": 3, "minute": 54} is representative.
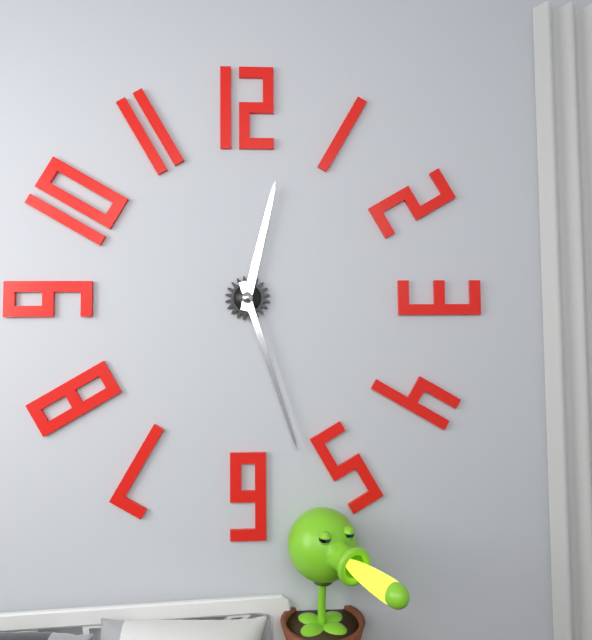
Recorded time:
{"hour": 12, "minute": 27}
